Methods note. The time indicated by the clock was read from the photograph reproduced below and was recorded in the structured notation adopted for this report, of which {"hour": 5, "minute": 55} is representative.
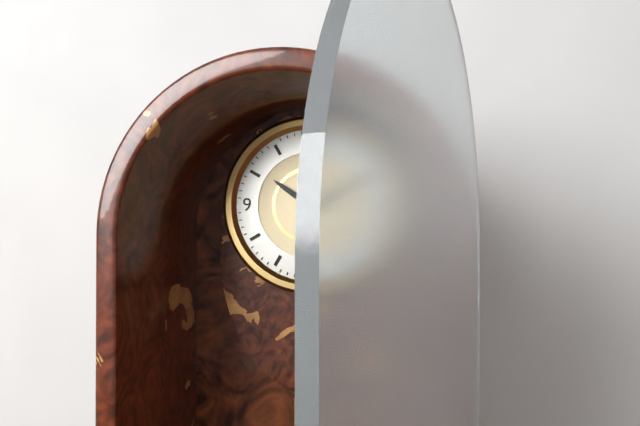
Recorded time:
{"hour": 10, "minute": 10}
